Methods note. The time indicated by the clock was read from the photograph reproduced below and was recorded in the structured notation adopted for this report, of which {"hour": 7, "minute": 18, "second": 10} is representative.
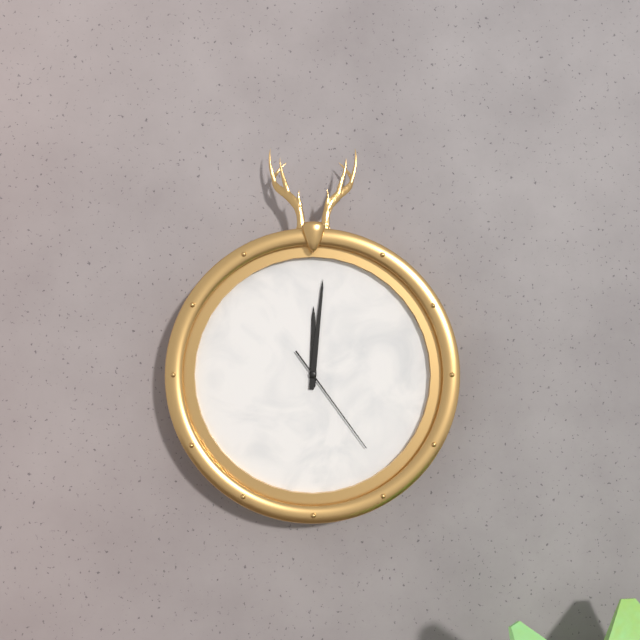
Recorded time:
{"hour": 12, "minute": 1, "second": 24}
